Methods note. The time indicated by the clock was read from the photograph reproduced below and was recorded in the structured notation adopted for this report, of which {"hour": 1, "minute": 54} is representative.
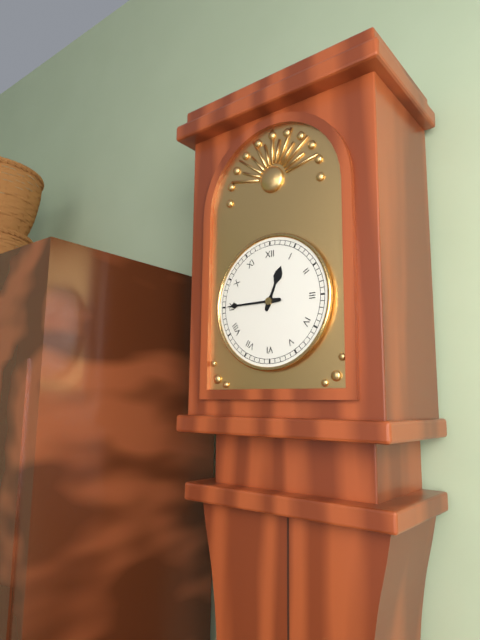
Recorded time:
{"hour": 12, "minute": 45}
